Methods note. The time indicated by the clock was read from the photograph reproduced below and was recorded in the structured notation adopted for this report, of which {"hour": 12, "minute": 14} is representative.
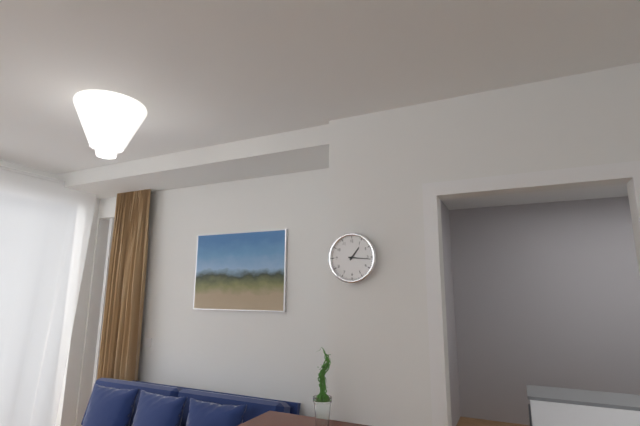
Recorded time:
{"hour": 1, "minute": 16}
